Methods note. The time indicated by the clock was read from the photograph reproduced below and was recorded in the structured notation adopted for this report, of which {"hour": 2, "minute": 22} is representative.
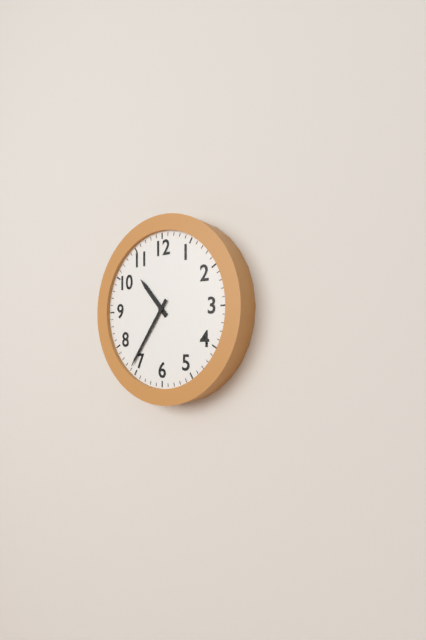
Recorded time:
{"hour": 10, "minute": 36}
